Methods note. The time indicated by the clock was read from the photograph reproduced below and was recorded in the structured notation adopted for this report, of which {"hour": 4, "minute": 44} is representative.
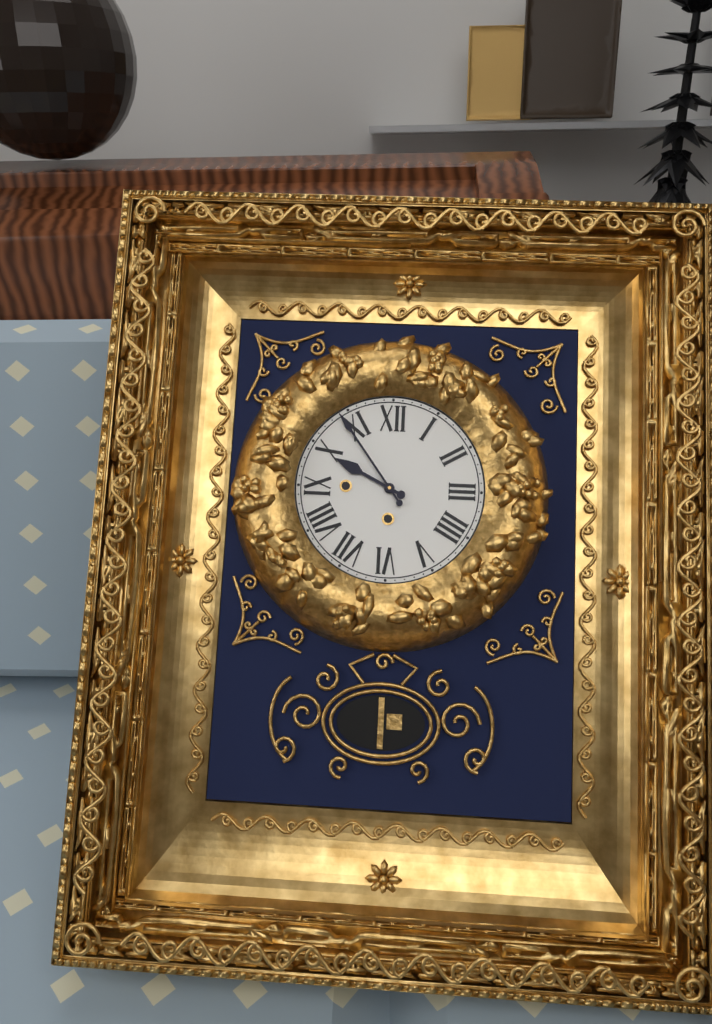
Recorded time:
{"hour": 9, "minute": 54}
